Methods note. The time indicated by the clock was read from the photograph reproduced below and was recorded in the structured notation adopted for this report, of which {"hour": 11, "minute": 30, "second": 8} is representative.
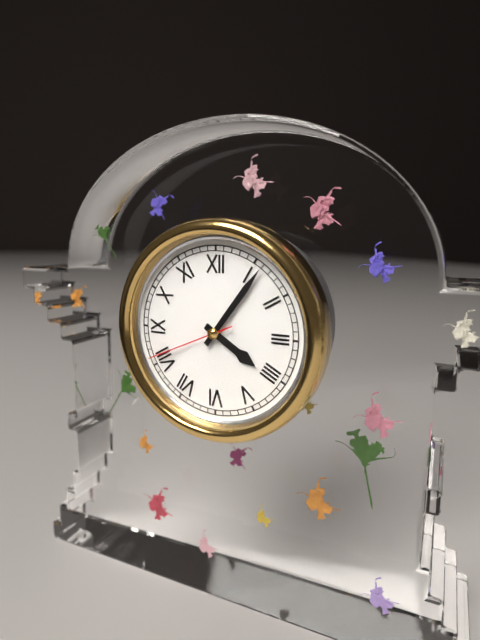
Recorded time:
{"hour": 4, "minute": 6, "second": 41}
